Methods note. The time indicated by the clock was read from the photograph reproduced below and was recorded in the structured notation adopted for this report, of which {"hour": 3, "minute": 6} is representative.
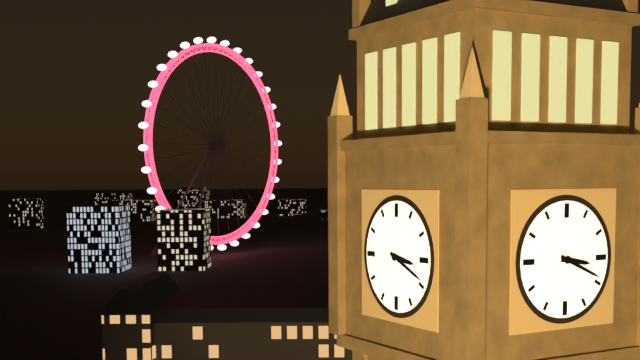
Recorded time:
{"hour": 3, "minute": 19}
